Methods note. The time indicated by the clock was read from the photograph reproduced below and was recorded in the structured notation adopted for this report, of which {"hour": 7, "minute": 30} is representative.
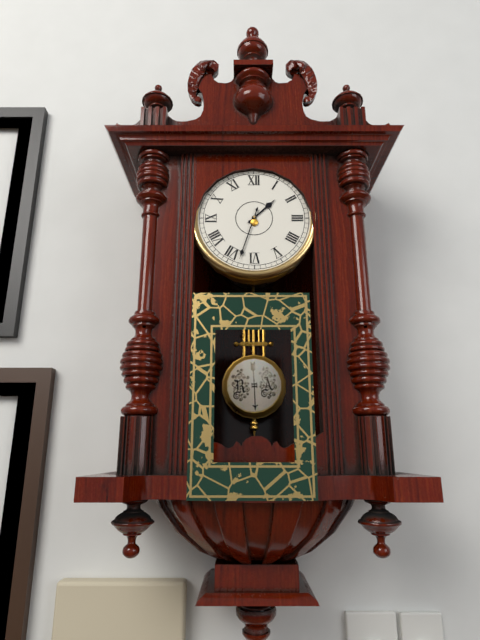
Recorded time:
{"hour": 1, "minute": 33}
